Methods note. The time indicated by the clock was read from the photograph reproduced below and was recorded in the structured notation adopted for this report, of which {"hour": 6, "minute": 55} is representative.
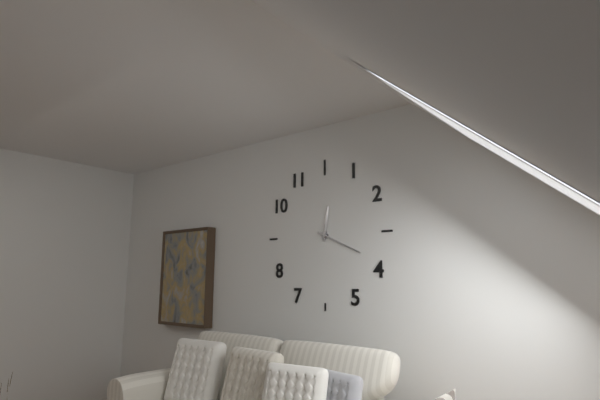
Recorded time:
{"hour": 12, "minute": 19}
